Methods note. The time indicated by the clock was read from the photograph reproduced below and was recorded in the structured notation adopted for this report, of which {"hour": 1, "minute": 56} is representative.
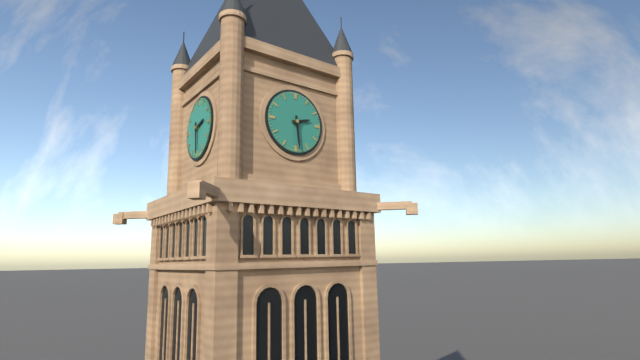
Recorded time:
{"hour": 2, "minute": 29}
